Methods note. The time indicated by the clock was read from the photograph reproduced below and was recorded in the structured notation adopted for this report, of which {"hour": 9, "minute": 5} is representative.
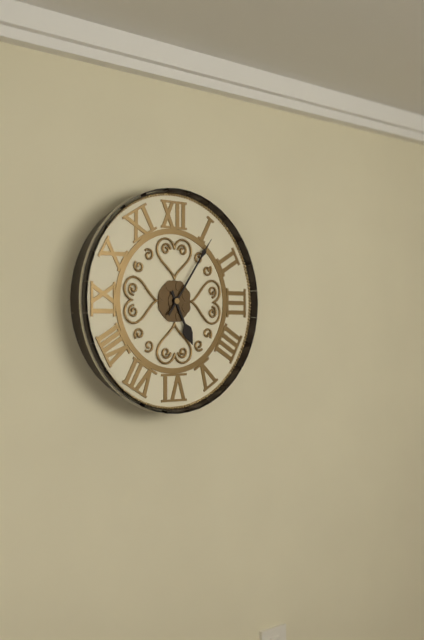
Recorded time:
{"hour": 5, "minute": 6}
